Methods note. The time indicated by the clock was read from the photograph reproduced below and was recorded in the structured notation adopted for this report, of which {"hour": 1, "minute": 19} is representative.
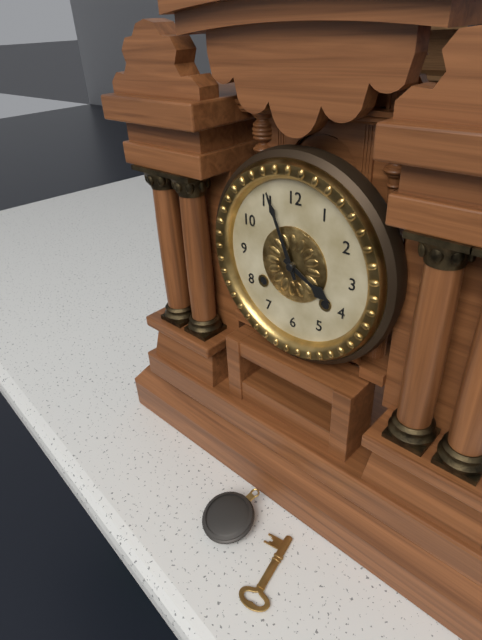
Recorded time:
{"hour": 3, "minute": 56}
